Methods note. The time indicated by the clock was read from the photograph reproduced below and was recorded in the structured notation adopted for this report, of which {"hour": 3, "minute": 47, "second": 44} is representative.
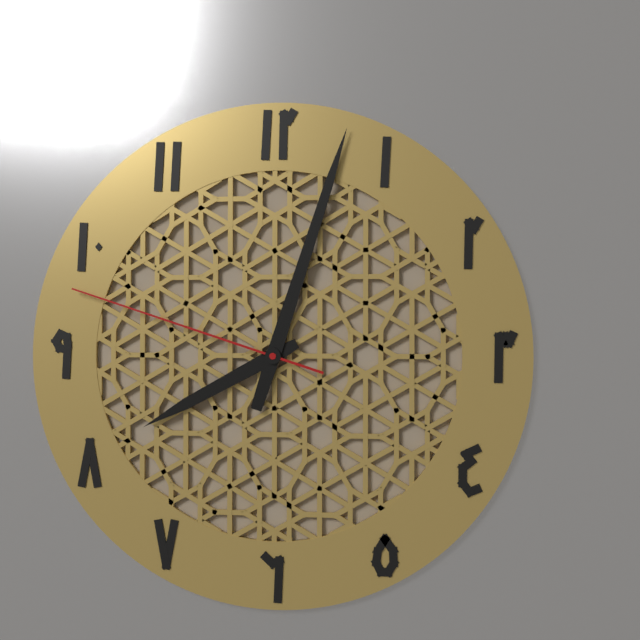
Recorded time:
{"hour": 8, "minute": 3, "second": 48}
